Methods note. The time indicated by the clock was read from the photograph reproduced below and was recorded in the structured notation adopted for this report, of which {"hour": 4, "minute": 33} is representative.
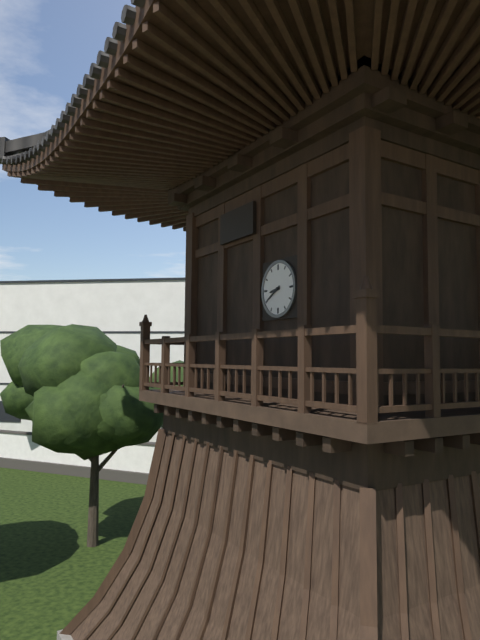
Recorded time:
{"hour": 8, "minute": 40}
